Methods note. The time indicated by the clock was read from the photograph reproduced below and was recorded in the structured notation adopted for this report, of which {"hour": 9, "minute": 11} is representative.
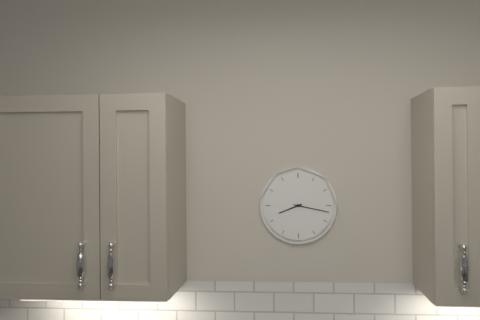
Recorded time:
{"hour": 8, "minute": 17}
